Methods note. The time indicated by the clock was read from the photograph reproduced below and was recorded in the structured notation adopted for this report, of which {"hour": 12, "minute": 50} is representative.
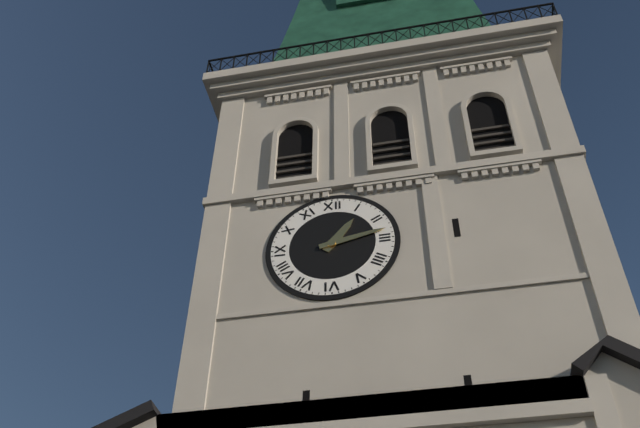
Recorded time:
{"hour": 1, "minute": 13}
